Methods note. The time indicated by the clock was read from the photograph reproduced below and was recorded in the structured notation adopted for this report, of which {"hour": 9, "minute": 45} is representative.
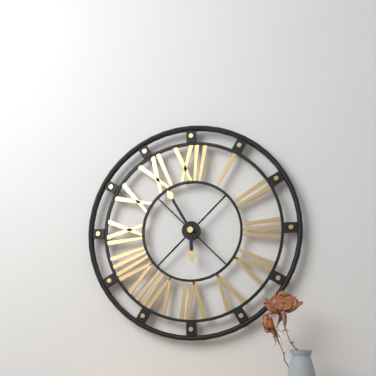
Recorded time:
{"hour": 5, "minute": 55}
